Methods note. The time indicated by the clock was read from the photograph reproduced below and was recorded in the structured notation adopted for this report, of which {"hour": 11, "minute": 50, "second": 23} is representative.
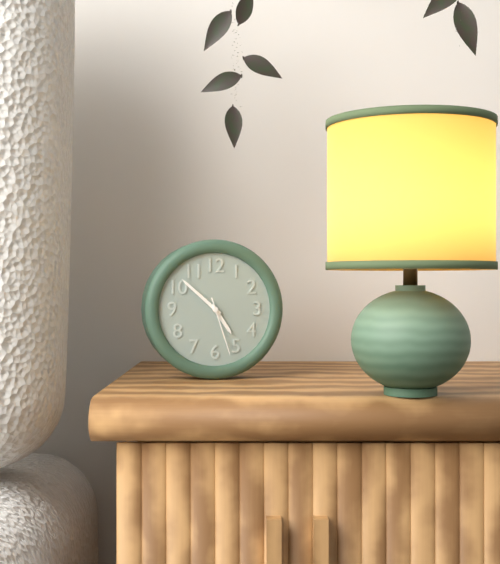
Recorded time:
{"hour": 4, "minute": 52, "second": 27}
